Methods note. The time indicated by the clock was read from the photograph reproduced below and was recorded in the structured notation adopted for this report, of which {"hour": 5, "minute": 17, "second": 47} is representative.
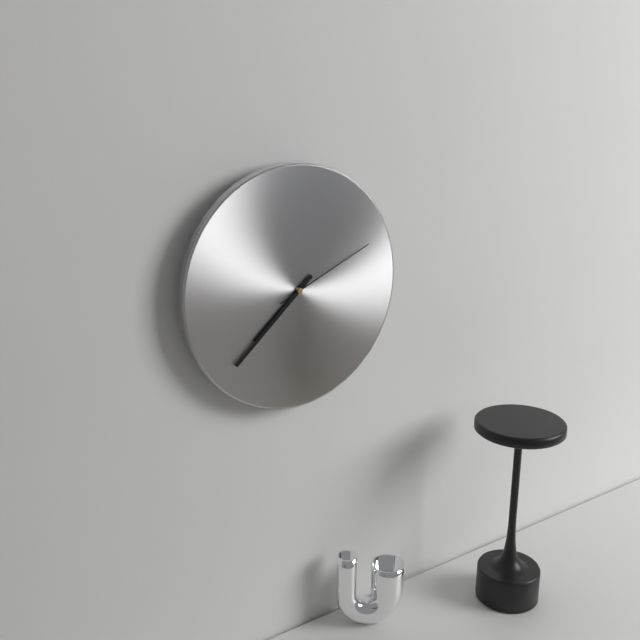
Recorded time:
{"hour": 7, "minute": 38, "second": 11}
